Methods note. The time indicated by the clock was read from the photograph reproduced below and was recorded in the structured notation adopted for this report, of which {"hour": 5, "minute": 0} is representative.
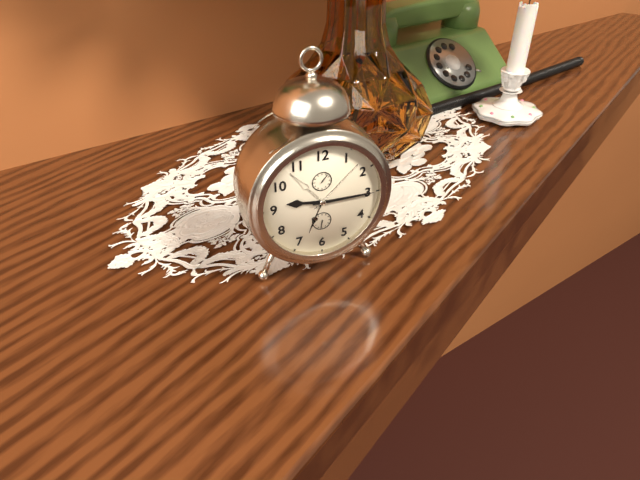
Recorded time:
{"hour": 9, "minute": 15}
